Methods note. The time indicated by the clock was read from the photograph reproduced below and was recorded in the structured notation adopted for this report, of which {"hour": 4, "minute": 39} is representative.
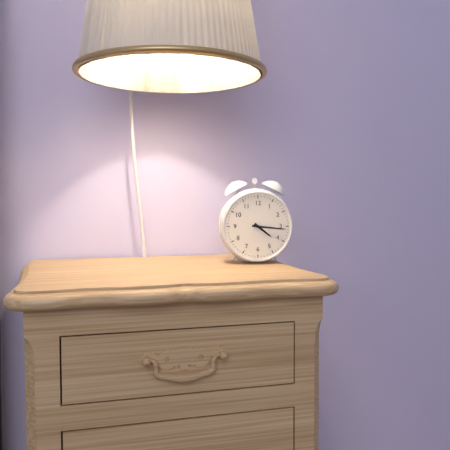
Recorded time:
{"hour": 4, "minute": 16}
